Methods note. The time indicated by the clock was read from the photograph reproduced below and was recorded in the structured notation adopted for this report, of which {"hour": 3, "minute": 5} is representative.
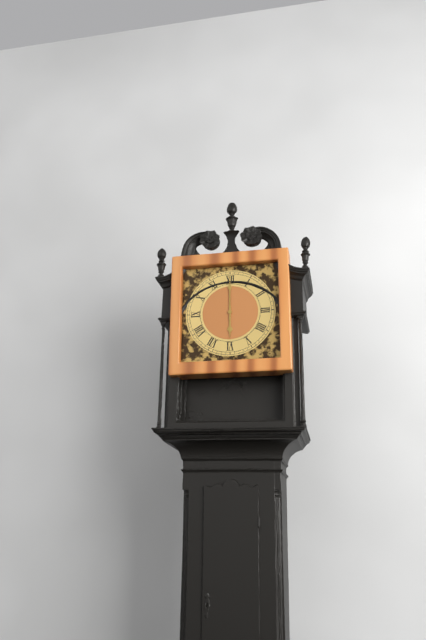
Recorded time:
{"hour": 6, "minute": 0}
